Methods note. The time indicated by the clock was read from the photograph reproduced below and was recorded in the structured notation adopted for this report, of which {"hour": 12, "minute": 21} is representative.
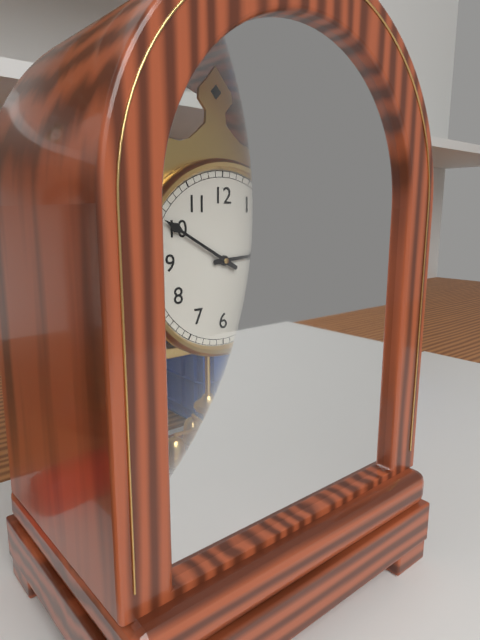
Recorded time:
{"hour": 2, "minute": 50}
